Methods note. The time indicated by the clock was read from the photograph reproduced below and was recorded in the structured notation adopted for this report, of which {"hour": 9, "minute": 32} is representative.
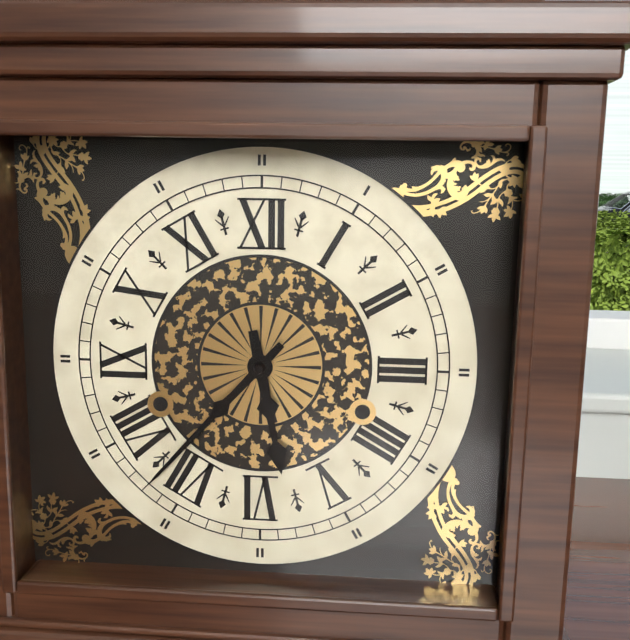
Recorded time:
{"hour": 5, "minute": 37}
